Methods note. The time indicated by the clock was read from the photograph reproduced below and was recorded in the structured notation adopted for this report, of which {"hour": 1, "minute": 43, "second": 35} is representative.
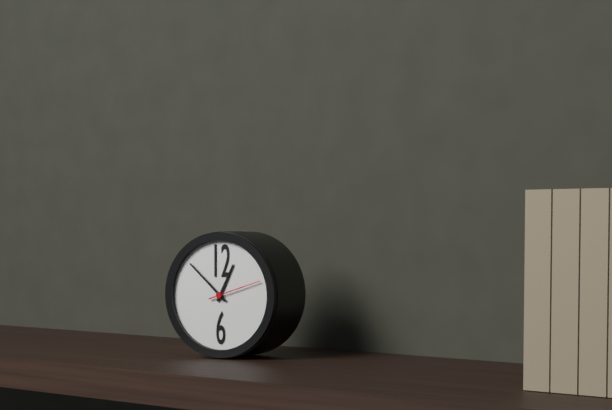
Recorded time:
{"hour": 12, "minute": 52, "second": 12}
